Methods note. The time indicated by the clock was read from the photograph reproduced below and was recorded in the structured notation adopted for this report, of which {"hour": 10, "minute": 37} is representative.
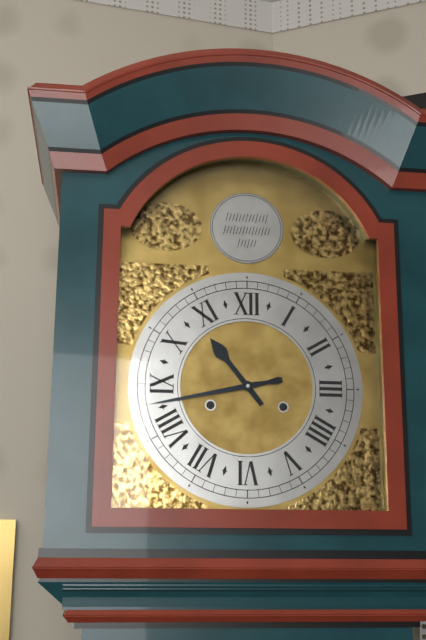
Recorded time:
{"hour": 10, "minute": 43}
